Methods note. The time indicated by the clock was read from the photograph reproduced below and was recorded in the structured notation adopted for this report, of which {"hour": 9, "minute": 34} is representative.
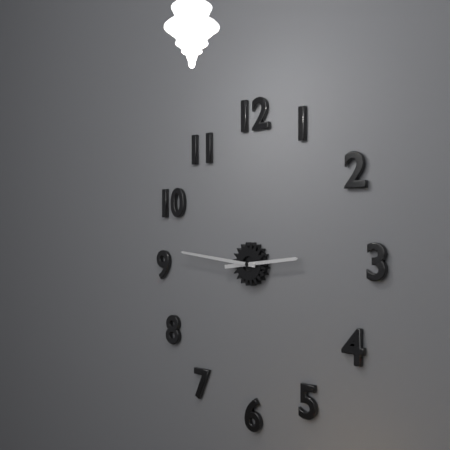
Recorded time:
{"hour": 2, "minute": 46}
